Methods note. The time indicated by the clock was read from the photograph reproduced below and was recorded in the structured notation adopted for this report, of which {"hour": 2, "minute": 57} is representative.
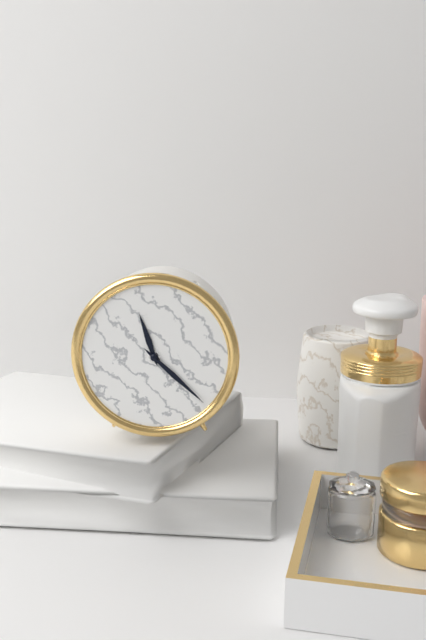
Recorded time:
{"hour": 11, "minute": 22}
